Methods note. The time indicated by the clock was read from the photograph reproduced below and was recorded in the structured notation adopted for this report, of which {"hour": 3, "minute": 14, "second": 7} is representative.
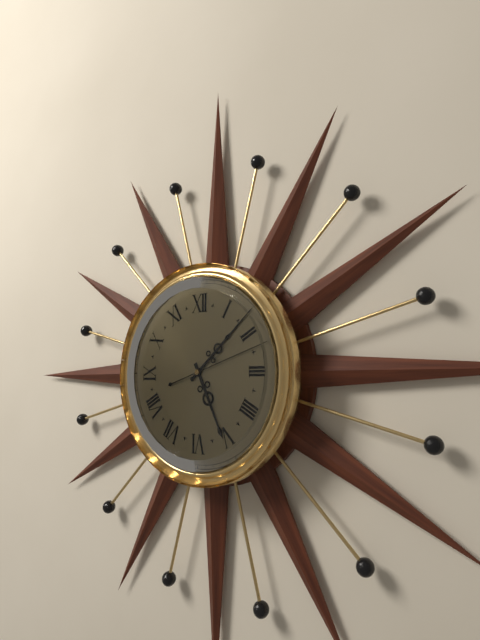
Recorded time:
{"hour": 5, "minute": 8, "second": 12}
